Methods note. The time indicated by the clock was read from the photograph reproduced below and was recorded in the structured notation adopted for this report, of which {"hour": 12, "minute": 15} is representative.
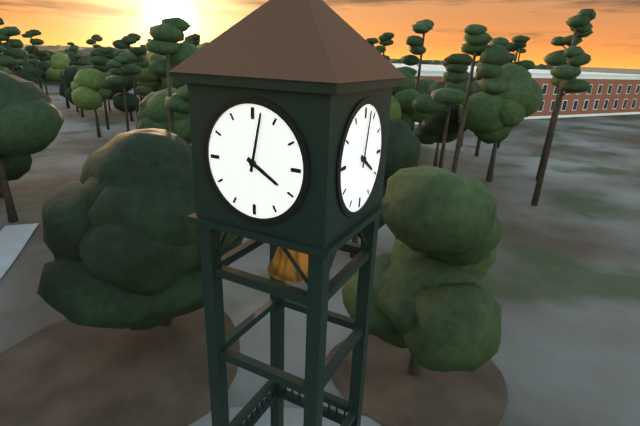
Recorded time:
{"hour": 4, "minute": 2}
